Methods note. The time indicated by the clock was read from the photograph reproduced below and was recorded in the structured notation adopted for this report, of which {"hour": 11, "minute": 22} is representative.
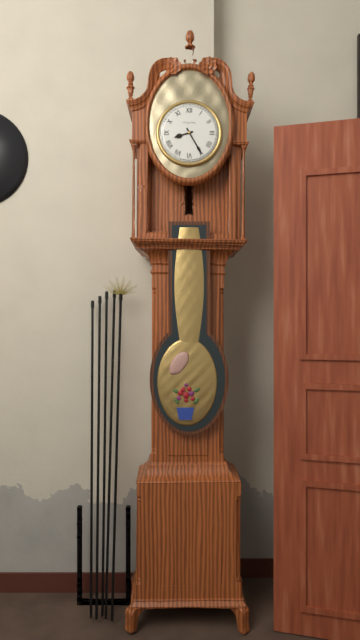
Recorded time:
{"hour": 8, "minute": 25}
